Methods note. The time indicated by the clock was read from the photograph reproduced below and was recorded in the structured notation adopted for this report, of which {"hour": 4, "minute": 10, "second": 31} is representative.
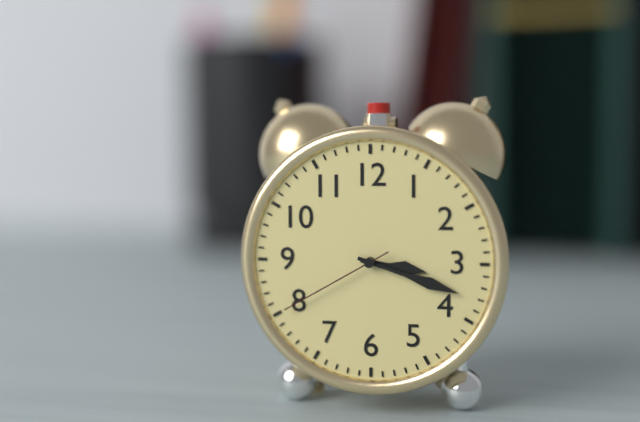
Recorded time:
{"hour": 3, "minute": 18, "second": 40}
